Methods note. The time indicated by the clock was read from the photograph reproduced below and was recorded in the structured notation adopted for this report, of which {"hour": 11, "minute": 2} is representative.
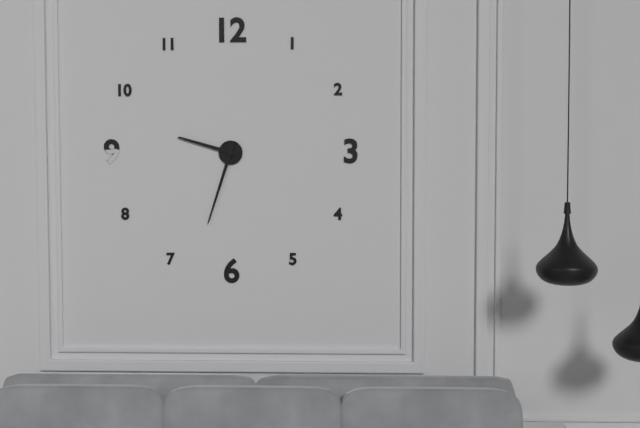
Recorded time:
{"hour": 9, "minute": 33}
